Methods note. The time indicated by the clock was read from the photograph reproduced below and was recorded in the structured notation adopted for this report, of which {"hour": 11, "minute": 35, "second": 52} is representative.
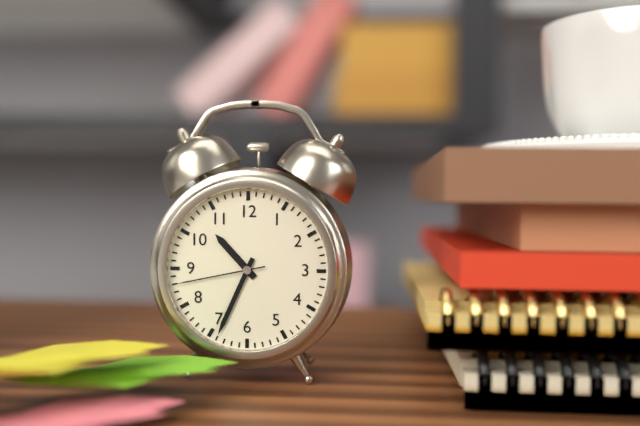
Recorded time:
{"hour": 10, "minute": 34, "second": 43}
